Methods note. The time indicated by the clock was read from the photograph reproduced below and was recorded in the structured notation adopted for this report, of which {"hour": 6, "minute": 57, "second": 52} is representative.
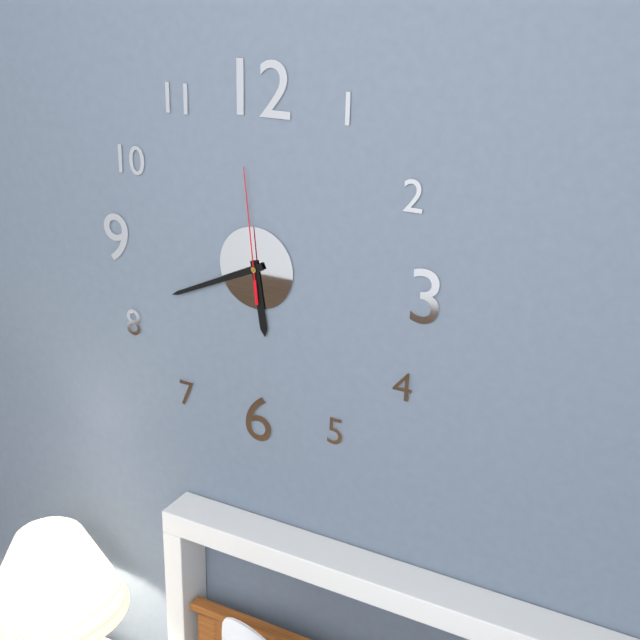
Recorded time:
{"hour": 5, "minute": 41, "second": 59}
